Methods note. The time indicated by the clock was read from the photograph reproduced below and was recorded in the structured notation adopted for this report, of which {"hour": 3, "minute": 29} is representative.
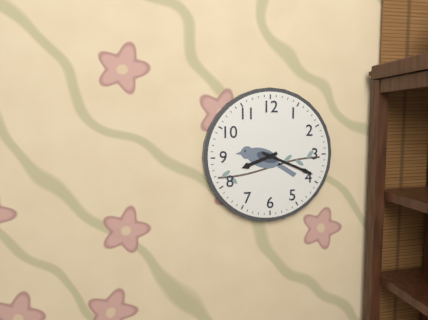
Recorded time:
{"hour": 8, "minute": 19}
